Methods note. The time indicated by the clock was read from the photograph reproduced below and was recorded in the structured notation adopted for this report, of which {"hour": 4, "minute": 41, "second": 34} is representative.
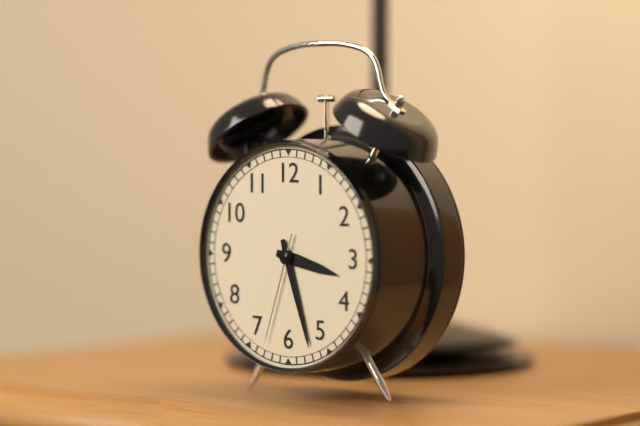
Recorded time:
{"hour": 3, "minute": 27, "second": 33}
